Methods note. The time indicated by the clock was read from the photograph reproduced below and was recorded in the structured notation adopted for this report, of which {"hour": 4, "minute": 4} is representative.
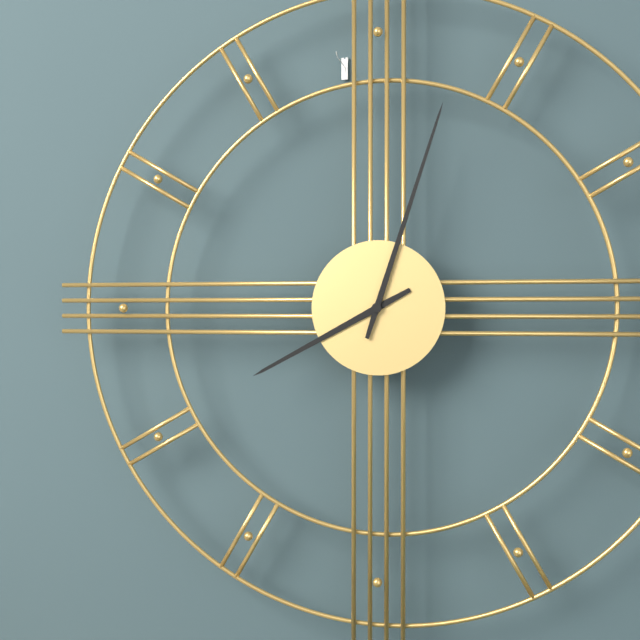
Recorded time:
{"hour": 8, "minute": 3}
